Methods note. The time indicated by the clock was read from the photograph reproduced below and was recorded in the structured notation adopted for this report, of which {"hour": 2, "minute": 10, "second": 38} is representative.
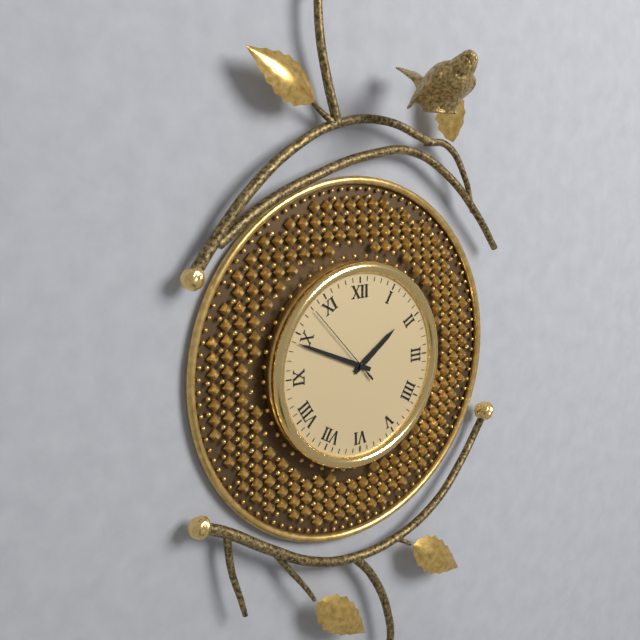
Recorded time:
{"hour": 1, "minute": 49, "second": 53}
